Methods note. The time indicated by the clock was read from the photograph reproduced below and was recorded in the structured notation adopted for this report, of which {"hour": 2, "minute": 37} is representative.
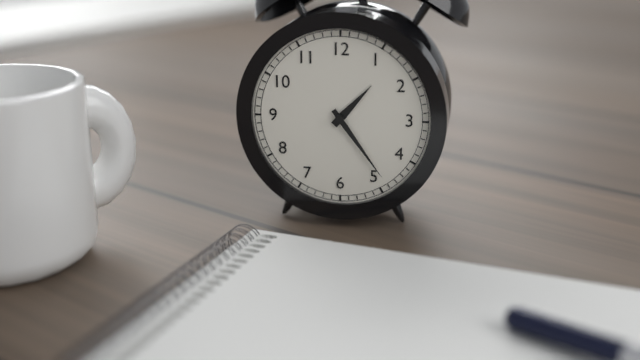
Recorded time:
{"hour": 1, "minute": 24}
